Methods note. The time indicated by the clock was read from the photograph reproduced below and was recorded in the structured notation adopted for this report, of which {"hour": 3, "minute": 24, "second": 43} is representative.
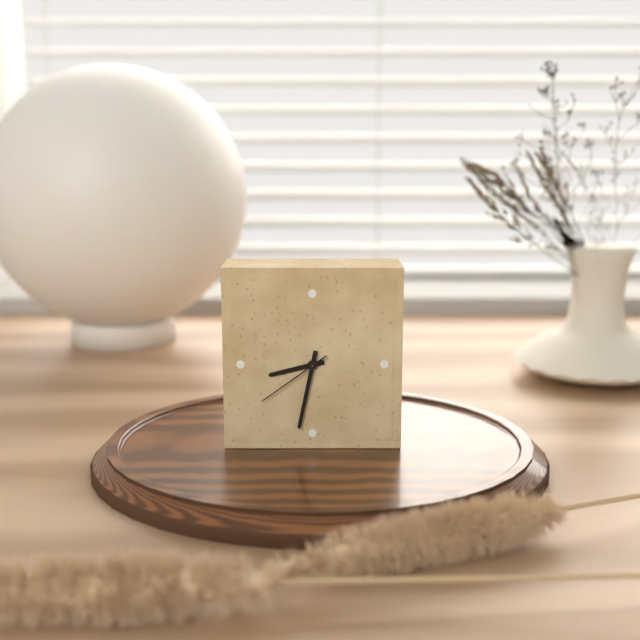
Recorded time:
{"hour": 8, "minute": 32, "second": 39}
